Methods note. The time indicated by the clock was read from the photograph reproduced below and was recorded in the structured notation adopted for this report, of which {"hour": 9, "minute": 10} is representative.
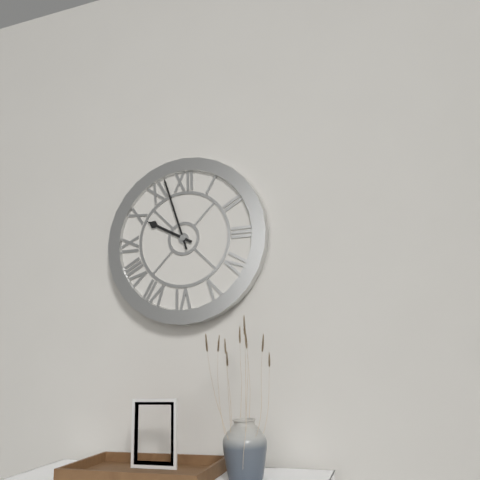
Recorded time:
{"hour": 9, "minute": 57}
